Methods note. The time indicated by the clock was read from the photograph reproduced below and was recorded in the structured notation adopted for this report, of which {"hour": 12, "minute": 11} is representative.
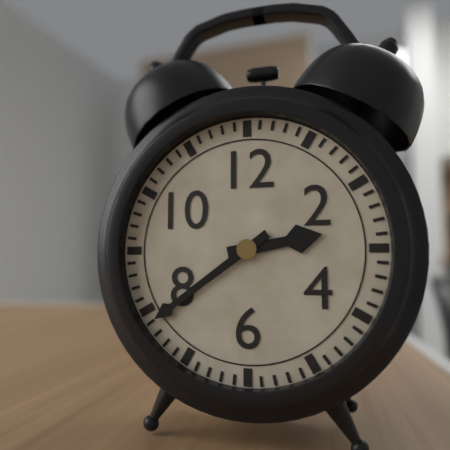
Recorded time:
{"hour": 2, "minute": 39}
